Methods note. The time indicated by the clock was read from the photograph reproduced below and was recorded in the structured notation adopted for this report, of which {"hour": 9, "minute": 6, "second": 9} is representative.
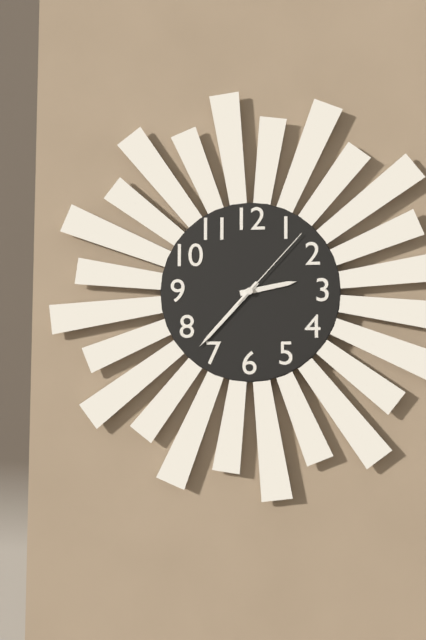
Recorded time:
{"hour": 2, "minute": 37, "second": 7}
